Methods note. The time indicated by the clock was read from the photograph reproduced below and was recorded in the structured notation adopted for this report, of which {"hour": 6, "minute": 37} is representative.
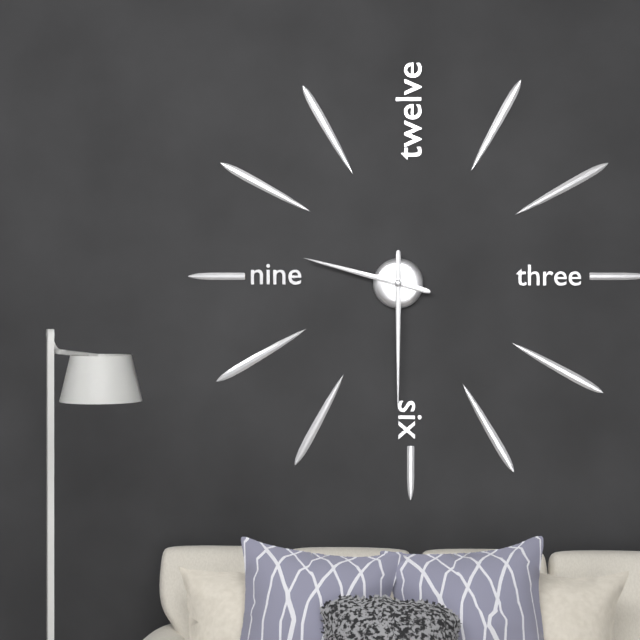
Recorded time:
{"hour": 9, "minute": 30}
